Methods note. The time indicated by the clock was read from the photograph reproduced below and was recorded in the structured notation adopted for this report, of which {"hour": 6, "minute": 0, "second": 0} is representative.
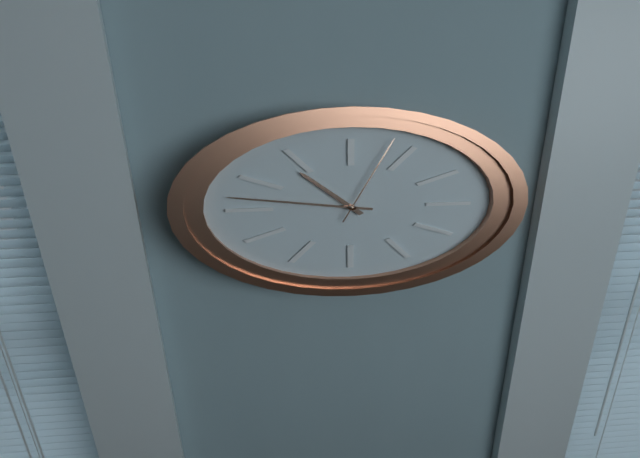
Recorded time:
{"hour": 10, "minute": 47, "second": 3}
